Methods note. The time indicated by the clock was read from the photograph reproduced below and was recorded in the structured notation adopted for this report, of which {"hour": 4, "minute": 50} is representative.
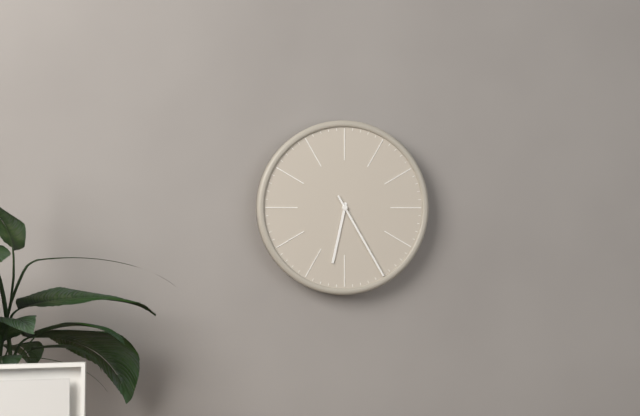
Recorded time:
{"hour": 6, "minute": 25}
